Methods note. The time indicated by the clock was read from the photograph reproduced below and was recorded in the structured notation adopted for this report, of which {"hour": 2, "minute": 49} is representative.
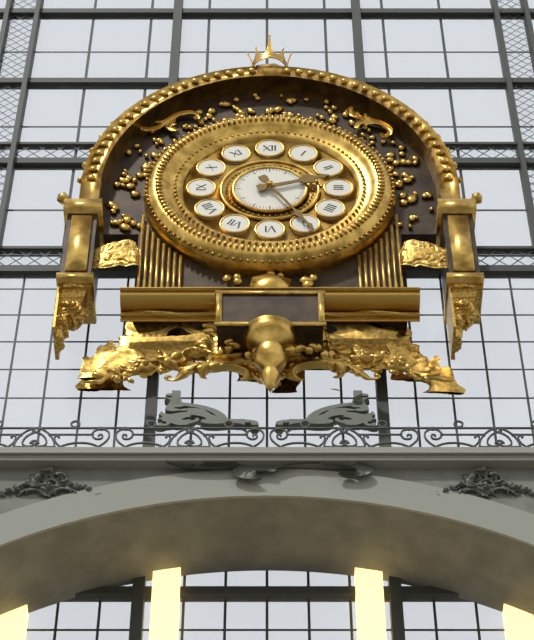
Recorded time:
{"hour": 2, "minute": 25}
